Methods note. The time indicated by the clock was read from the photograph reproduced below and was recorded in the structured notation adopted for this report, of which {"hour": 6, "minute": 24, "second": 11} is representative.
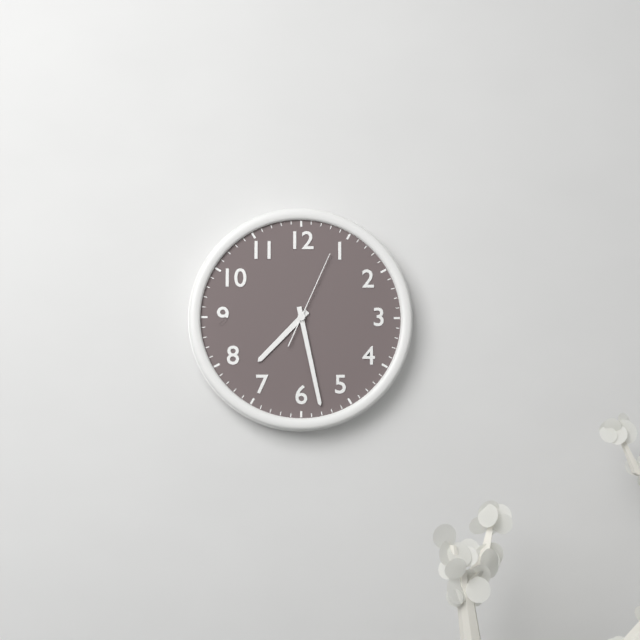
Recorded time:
{"hour": 7, "minute": 28, "second": 4}
